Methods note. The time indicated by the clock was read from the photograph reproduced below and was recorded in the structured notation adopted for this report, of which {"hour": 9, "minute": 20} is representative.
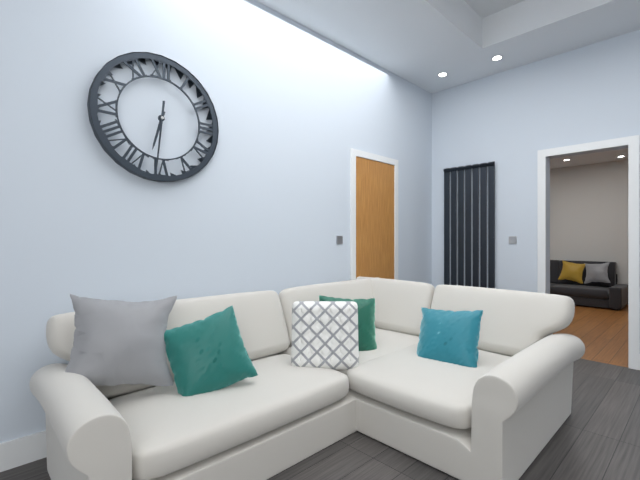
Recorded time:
{"hour": 6, "minute": 31}
